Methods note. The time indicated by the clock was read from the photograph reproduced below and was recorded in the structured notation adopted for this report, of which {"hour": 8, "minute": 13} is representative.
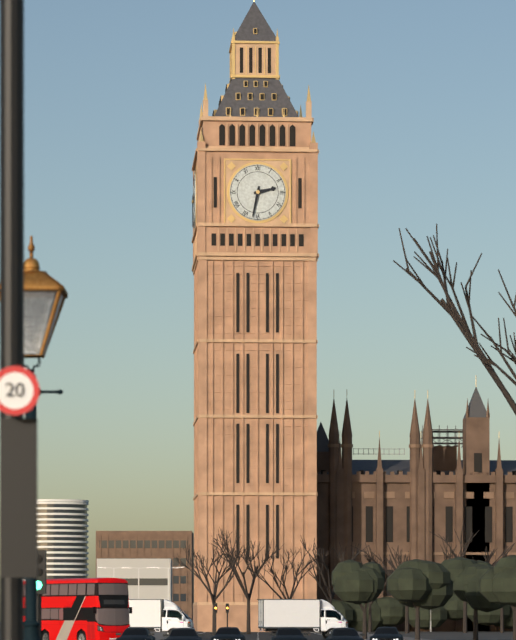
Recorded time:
{"hour": 2, "minute": 32}
